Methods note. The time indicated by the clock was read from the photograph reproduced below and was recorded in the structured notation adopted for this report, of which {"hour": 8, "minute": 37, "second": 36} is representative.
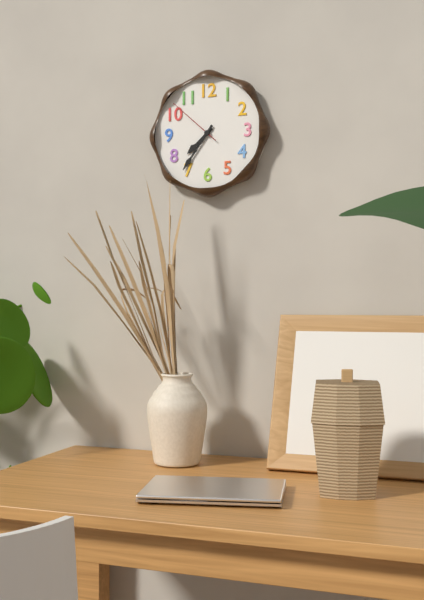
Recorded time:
{"hour": 7, "minute": 36, "second": 52}
